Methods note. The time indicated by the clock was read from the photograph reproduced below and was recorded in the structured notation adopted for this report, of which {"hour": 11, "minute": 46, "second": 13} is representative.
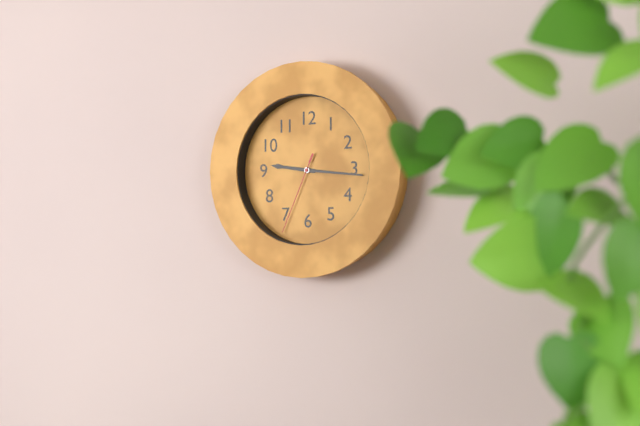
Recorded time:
{"hour": 9, "minute": 16, "second": 34}
